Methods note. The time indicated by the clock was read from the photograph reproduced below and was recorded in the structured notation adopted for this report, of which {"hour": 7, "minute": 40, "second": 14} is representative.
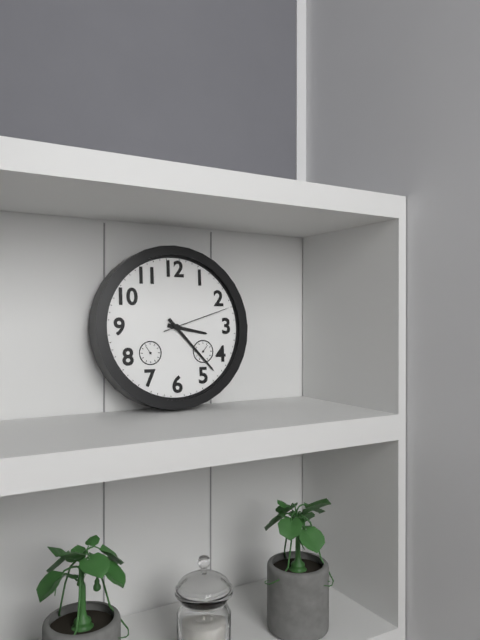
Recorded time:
{"hour": 3, "minute": 23, "second": 12}
